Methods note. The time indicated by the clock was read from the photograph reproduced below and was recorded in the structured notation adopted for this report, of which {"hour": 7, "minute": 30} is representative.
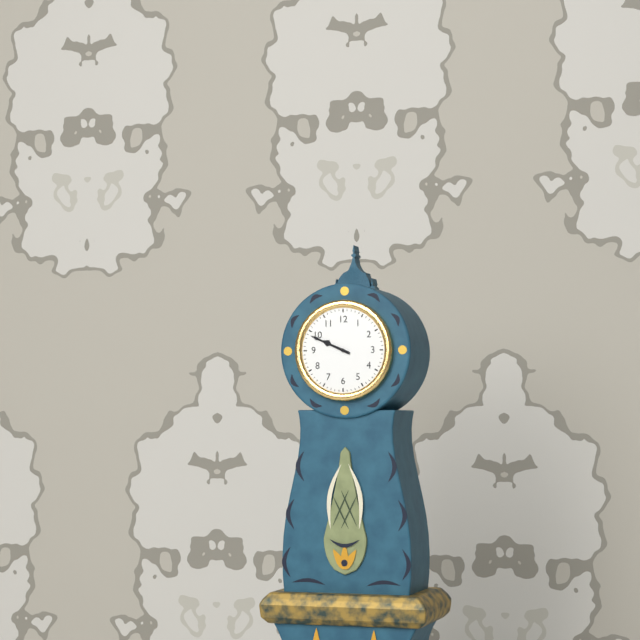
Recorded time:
{"hour": 9, "minute": 49}
